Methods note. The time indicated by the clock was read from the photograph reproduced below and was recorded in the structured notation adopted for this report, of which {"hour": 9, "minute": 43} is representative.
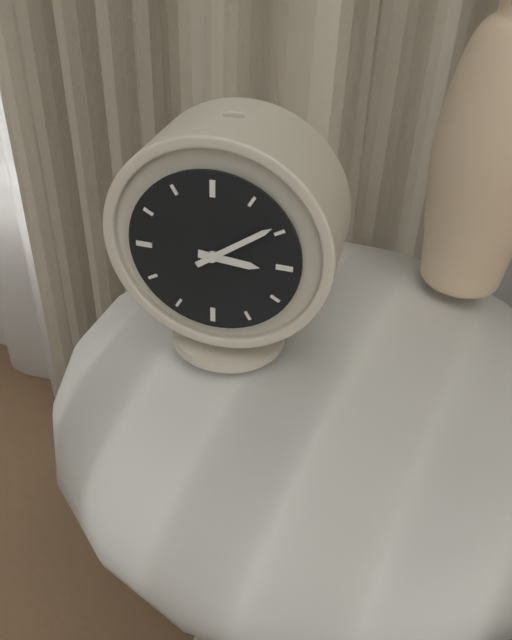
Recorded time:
{"hour": 3, "minute": 9}
